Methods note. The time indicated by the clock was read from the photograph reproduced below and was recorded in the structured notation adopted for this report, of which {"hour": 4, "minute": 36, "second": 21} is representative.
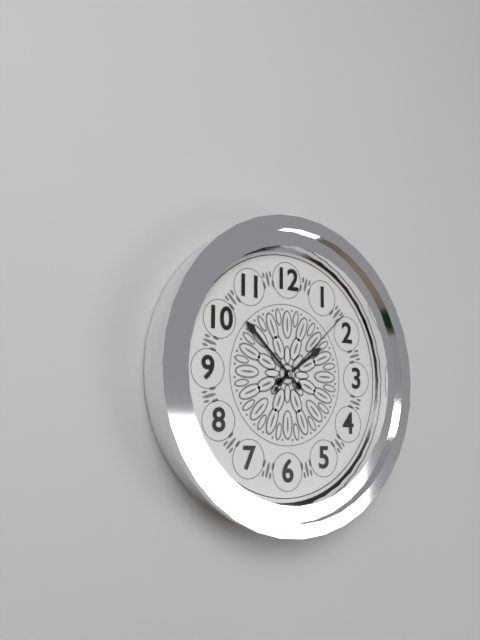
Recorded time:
{"hour": 1, "minute": 52, "second": 8}
